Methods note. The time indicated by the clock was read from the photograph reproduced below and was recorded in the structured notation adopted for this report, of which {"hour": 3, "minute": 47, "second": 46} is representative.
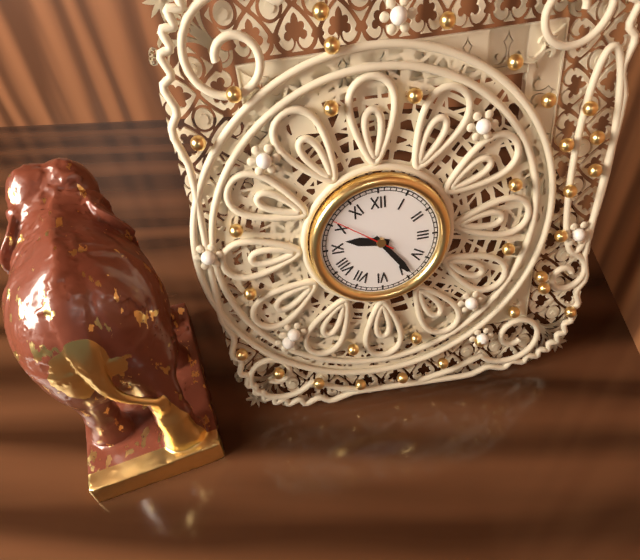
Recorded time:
{"hour": 9, "minute": 24, "second": 51}
